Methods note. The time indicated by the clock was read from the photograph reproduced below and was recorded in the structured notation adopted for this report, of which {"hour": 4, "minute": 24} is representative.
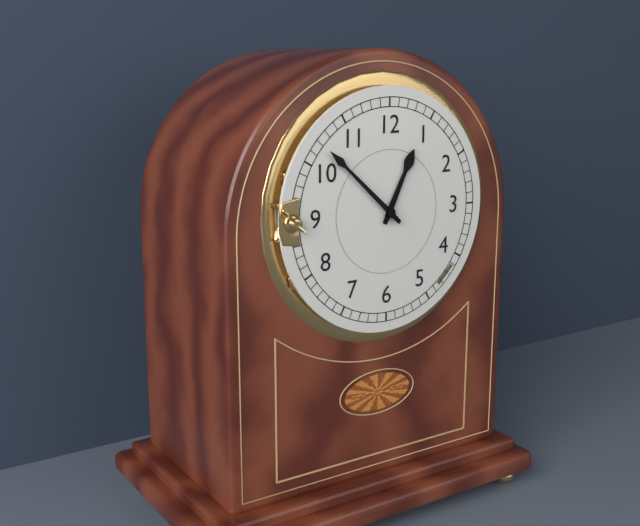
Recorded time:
{"hour": 12, "minute": 52}
